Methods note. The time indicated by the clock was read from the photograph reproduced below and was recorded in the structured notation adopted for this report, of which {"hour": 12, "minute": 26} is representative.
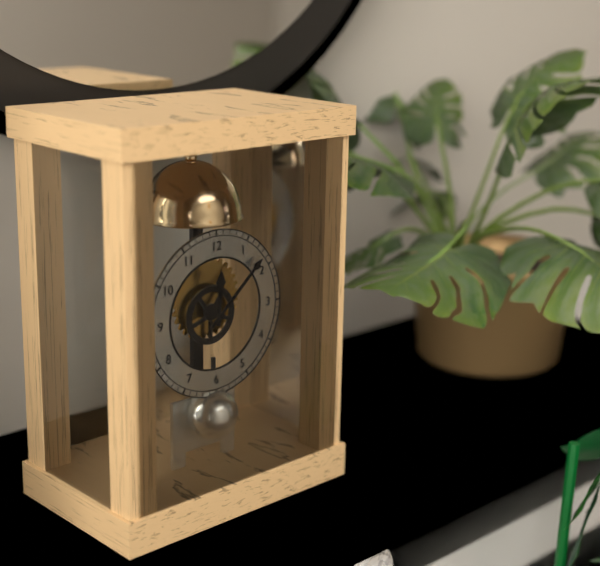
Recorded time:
{"hour": 12, "minute": 8}
